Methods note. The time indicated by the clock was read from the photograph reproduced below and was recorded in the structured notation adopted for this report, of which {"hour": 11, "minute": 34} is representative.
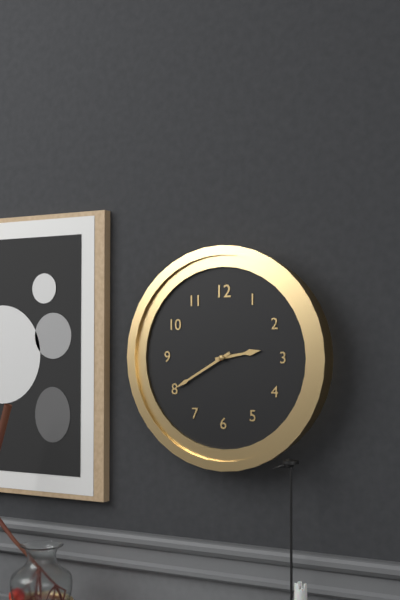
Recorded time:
{"hour": 2, "minute": 40}
